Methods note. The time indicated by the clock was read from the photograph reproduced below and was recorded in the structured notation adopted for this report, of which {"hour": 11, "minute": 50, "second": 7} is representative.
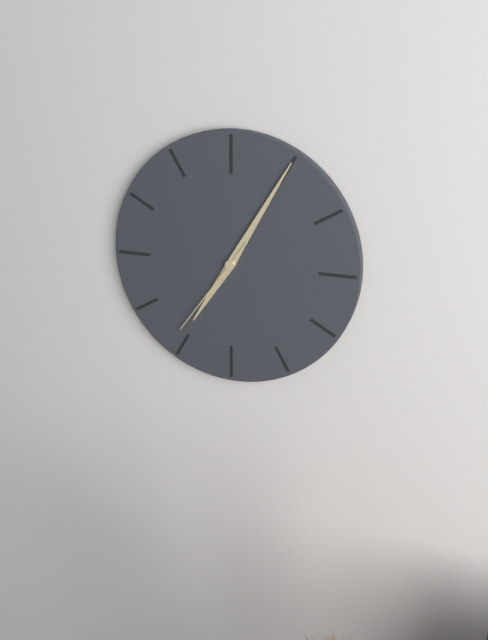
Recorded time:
{"hour": 7, "minute": 5, "second": 36}
